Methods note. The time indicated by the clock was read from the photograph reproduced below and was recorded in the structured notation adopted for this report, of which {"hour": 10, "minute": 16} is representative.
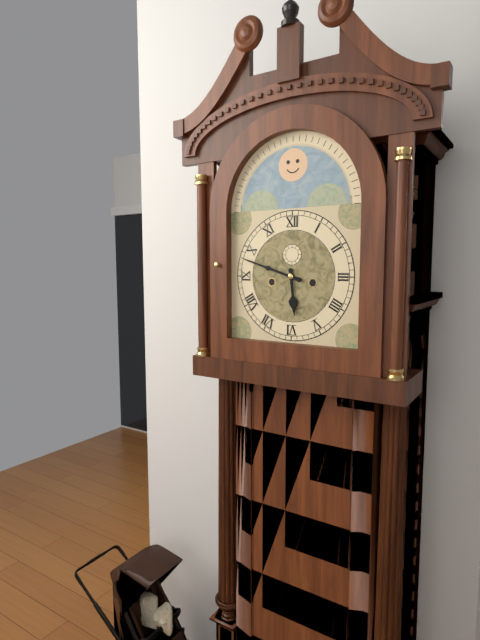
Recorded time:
{"hour": 5, "minute": 48}
